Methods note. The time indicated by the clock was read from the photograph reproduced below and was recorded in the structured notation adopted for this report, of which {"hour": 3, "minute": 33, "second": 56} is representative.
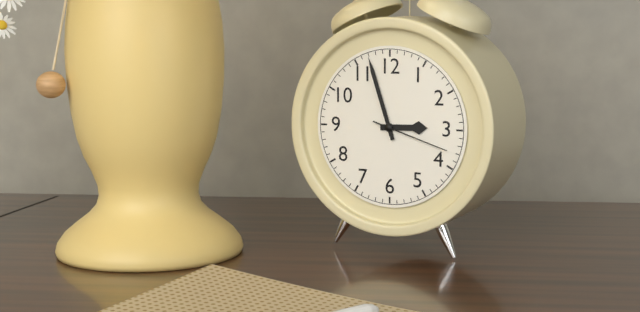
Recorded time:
{"hour": 2, "minute": 57, "second": 18}
